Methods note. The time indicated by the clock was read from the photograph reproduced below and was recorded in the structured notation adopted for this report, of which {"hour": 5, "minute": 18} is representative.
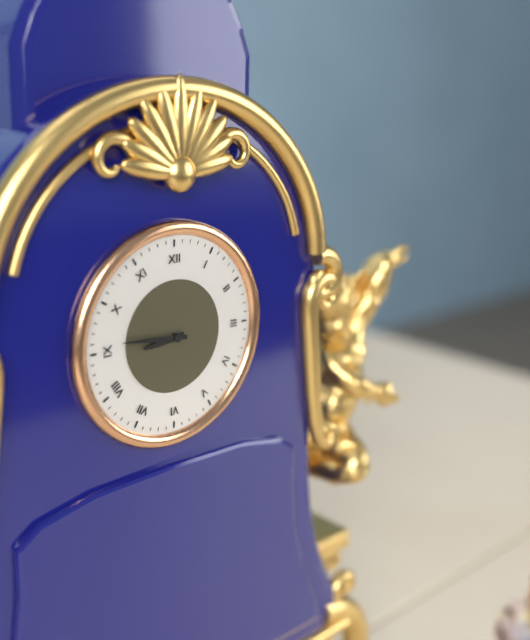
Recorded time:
{"hour": 8, "minute": 46}
